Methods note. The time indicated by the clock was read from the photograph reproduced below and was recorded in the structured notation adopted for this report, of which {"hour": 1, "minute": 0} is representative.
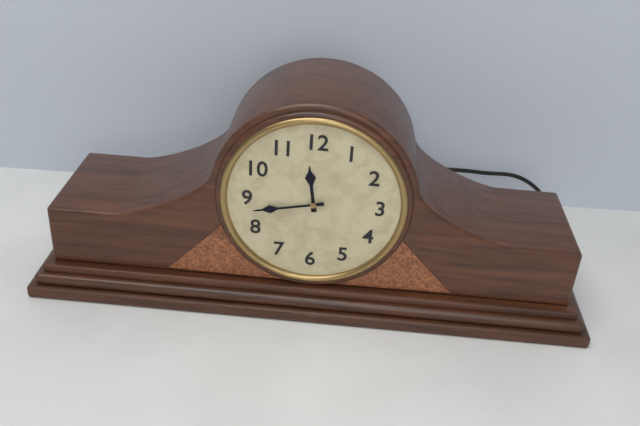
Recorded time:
{"hour": 11, "minute": 43}
